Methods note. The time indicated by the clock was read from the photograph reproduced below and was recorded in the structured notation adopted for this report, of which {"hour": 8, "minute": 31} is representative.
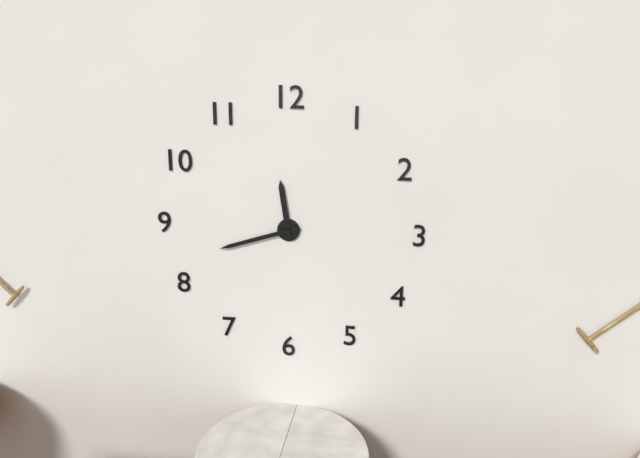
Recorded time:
{"hour": 11, "minute": 42}
